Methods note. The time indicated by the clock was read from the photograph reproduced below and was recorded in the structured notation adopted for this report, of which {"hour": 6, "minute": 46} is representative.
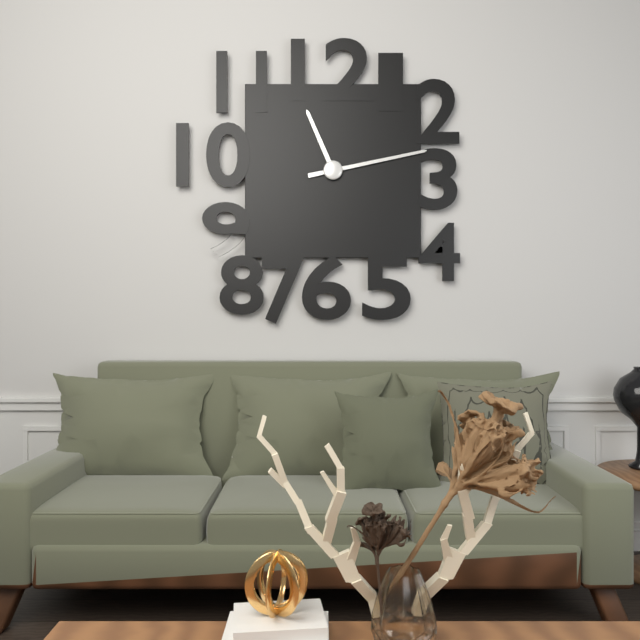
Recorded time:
{"hour": 11, "minute": 13}
